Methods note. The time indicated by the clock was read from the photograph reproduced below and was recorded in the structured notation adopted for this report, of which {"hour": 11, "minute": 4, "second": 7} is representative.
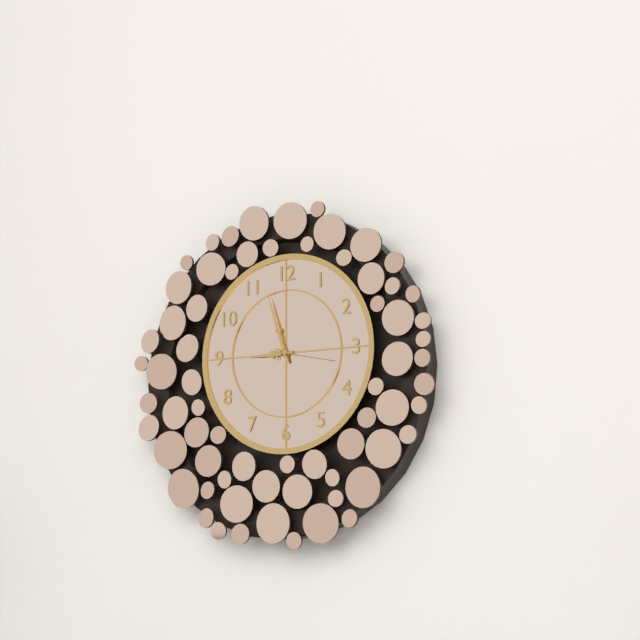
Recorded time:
{"hour": 8, "minute": 57, "second": 17}
